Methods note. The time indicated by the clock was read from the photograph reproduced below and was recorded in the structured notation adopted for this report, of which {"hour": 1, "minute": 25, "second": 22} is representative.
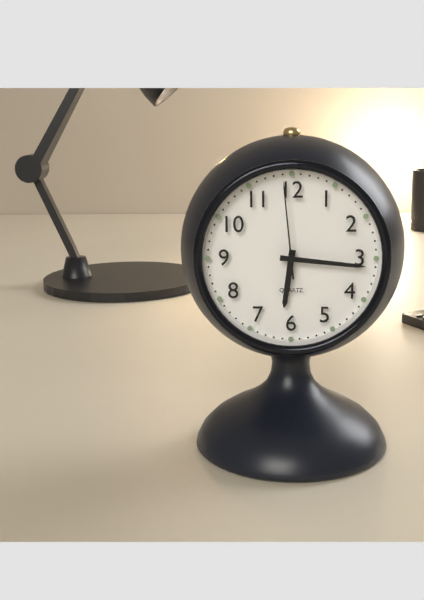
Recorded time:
{"hour": 6, "minute": 16, "second": 59}
